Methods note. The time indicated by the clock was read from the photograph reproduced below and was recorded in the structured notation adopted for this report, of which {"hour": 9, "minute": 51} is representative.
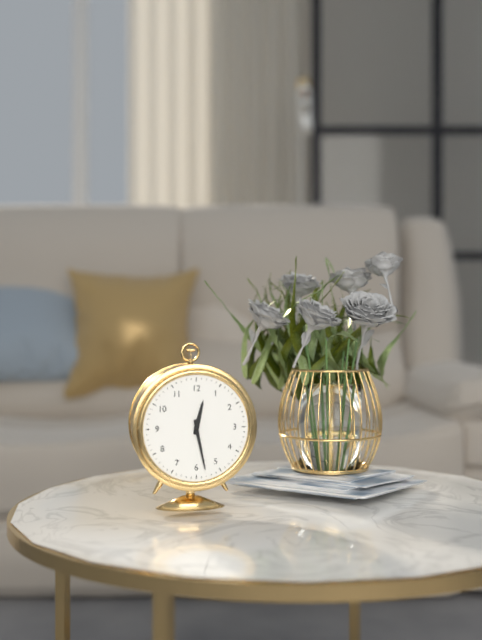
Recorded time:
{"hour": 12, "minute": 28}
